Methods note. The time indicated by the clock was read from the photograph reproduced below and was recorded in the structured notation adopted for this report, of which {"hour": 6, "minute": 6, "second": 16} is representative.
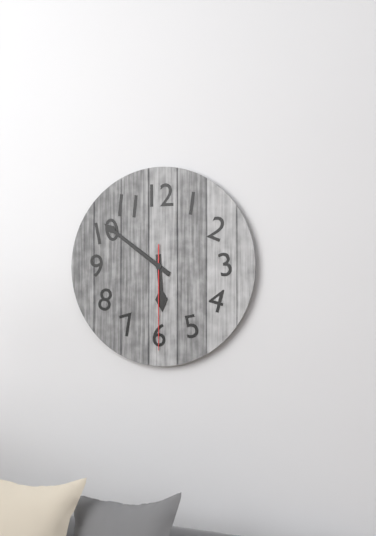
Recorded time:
{"hour": 5, "minute": 51, "second": 30}
